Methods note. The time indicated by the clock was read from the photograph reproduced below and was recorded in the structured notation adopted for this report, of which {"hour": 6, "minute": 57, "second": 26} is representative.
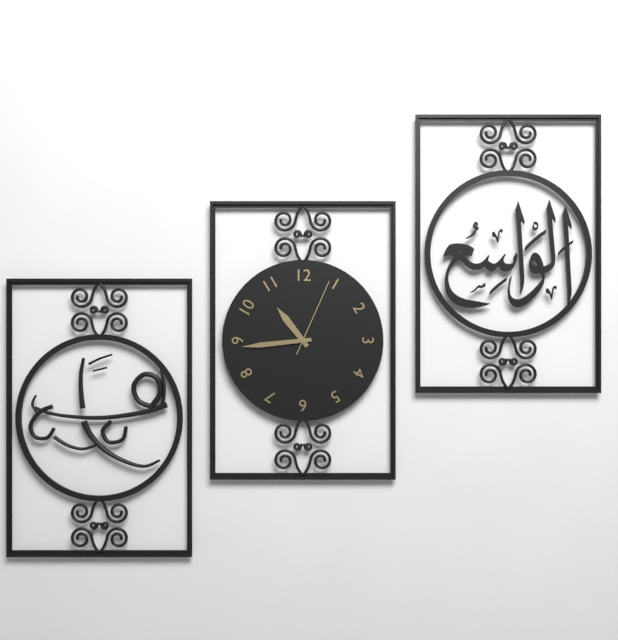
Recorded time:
{"hour": 10, "minute": 44, "second": 4}
